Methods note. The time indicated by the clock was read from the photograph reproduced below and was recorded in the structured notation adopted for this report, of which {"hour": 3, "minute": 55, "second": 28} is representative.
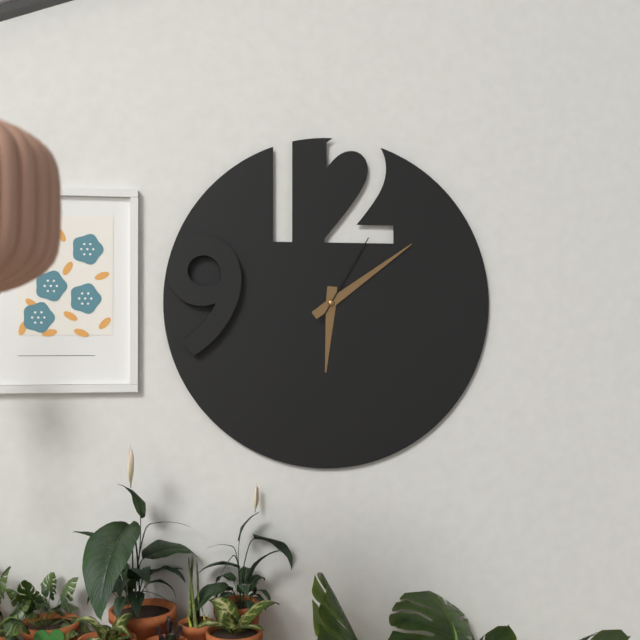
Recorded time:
{"hour": 6, "minute": 9, "second": 5}
